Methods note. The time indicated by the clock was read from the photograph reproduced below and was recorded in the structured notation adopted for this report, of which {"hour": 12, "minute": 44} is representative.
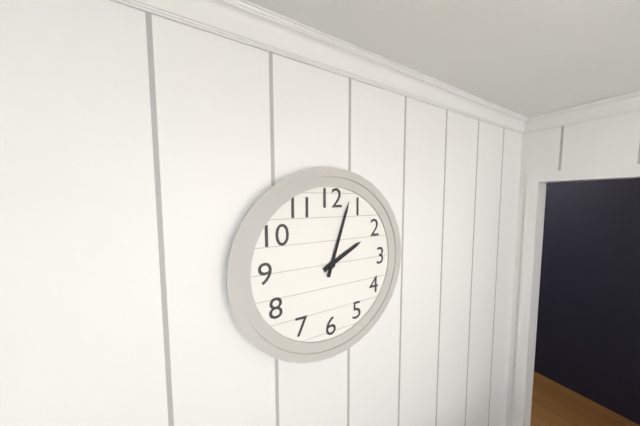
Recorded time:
{"hour": 2, "minute": 3}
